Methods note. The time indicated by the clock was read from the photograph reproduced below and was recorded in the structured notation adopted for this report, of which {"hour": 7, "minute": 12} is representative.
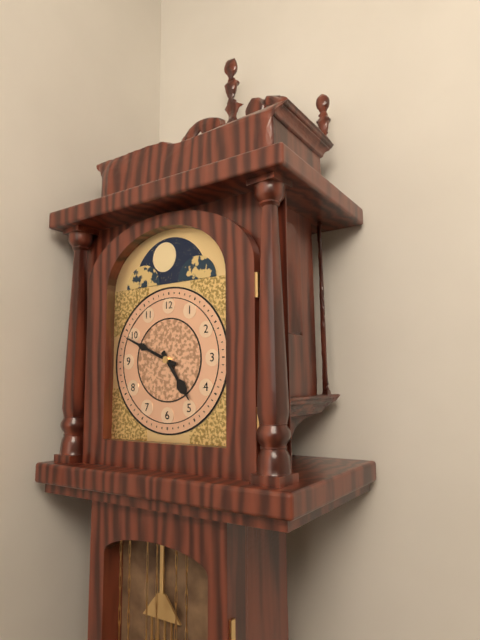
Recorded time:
{"hour": 4, "minute": 49}
